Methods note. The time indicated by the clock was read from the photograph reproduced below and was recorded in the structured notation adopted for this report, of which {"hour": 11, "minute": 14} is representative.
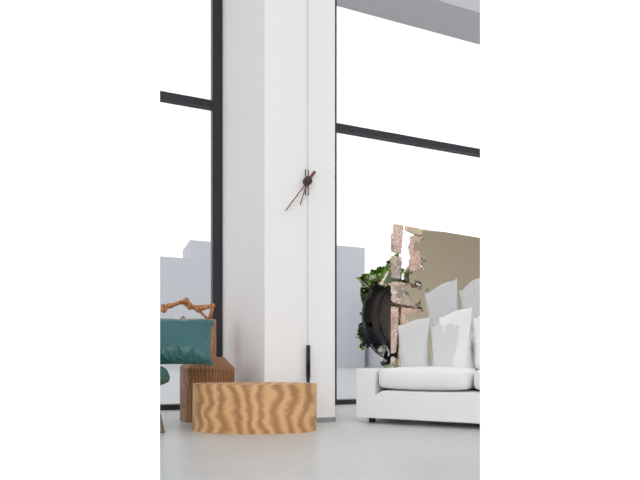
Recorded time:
{"hour": 6, "minute": 36}
